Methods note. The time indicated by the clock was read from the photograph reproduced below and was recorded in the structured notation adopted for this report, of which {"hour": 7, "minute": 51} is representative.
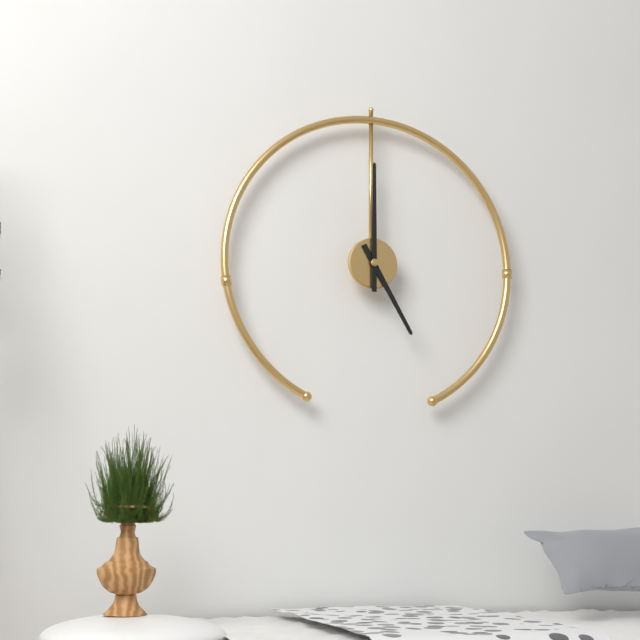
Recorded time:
{"hour": 5, "minute": 0}
